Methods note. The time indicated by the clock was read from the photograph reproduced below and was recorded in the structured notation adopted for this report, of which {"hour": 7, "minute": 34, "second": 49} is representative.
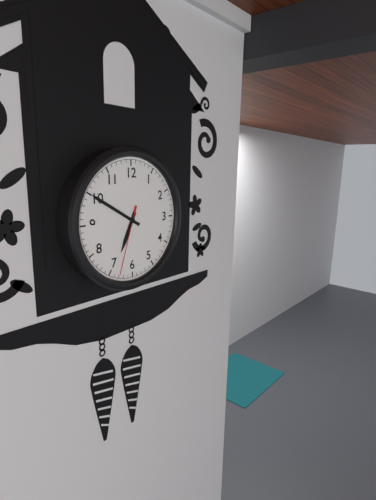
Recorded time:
{"hour": 6, "minute": 50, "second": 33}
